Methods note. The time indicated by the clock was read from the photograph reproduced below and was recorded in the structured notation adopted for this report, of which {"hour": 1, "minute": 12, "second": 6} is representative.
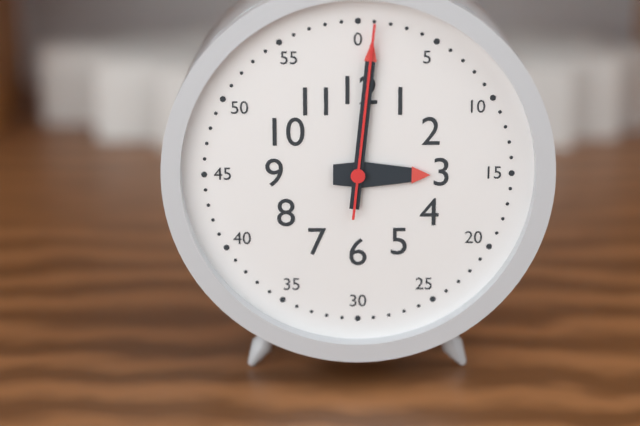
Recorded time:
{"hour": 3, "minute": 1, "second": 1}
